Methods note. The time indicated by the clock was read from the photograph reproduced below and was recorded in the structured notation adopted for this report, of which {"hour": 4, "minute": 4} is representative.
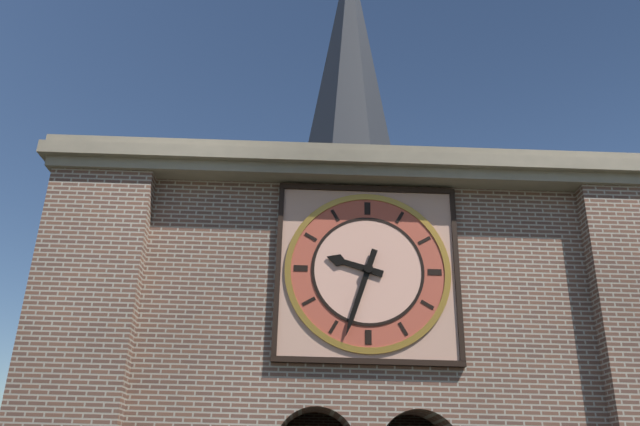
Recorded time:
{"hour": 9, "minute": 33}
